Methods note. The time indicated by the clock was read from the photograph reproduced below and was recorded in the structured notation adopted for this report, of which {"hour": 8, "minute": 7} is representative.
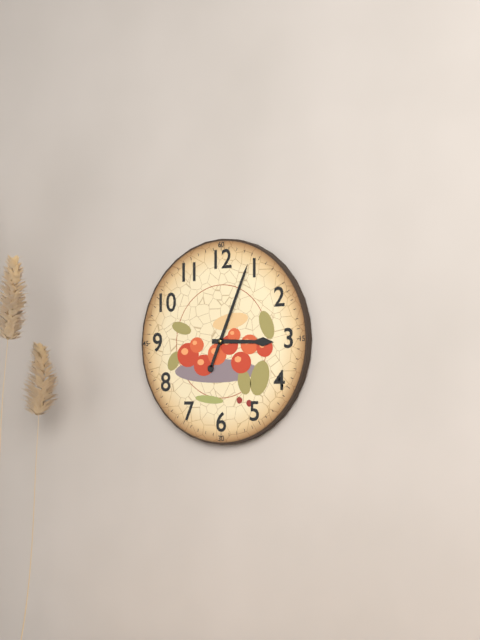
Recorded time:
{"hour": 3, "minute": 4}
